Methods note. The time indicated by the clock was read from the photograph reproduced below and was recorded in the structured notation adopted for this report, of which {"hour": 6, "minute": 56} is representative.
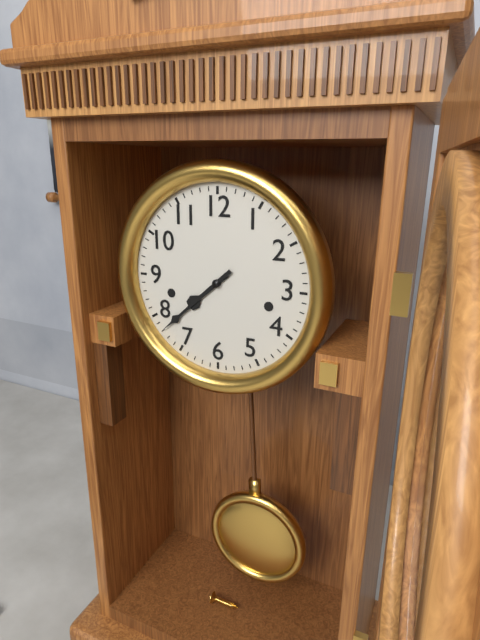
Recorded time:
{"hour": 7, "minute": 38}
